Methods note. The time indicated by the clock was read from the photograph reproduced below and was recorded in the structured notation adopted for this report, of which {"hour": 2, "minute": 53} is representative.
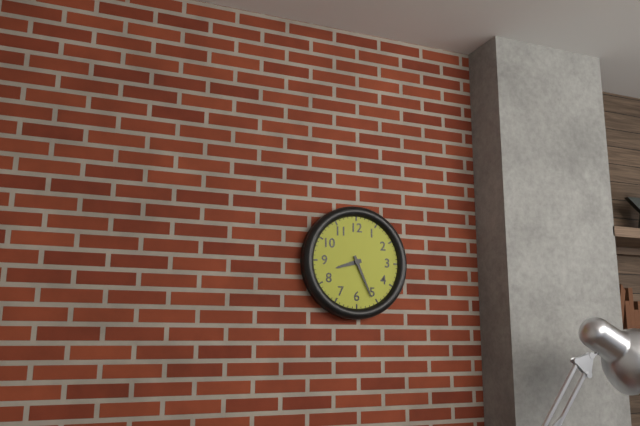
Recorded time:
{"hour": 8, "minute": 26}
